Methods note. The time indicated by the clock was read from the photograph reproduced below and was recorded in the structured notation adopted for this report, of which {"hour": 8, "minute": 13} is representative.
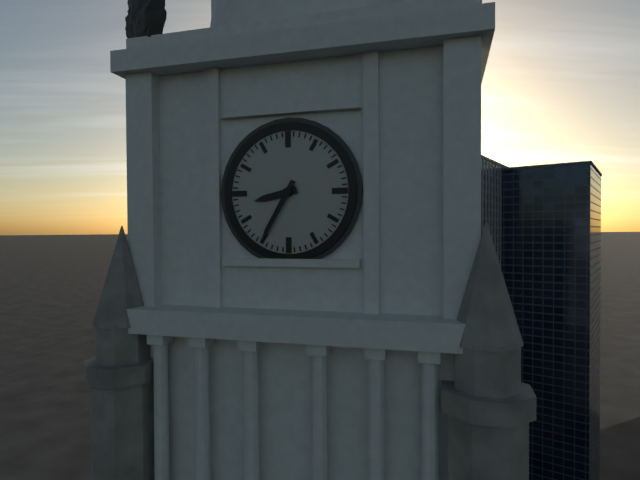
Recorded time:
{"hour": 8, "minute": 35}
